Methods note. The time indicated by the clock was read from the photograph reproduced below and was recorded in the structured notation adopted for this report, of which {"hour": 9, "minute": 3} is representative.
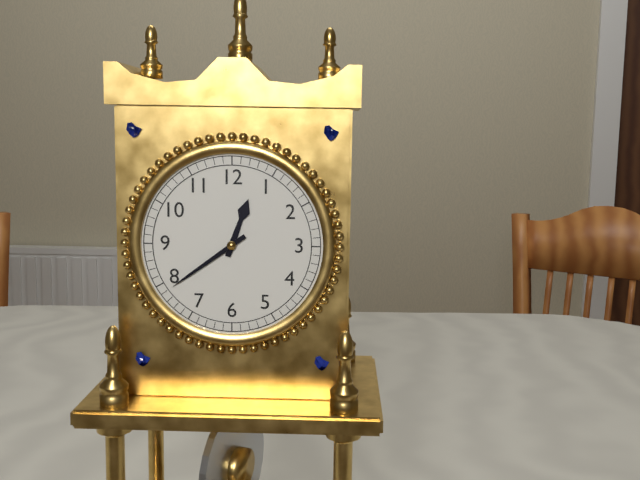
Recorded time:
{"hour": 12, "minute": 39}
